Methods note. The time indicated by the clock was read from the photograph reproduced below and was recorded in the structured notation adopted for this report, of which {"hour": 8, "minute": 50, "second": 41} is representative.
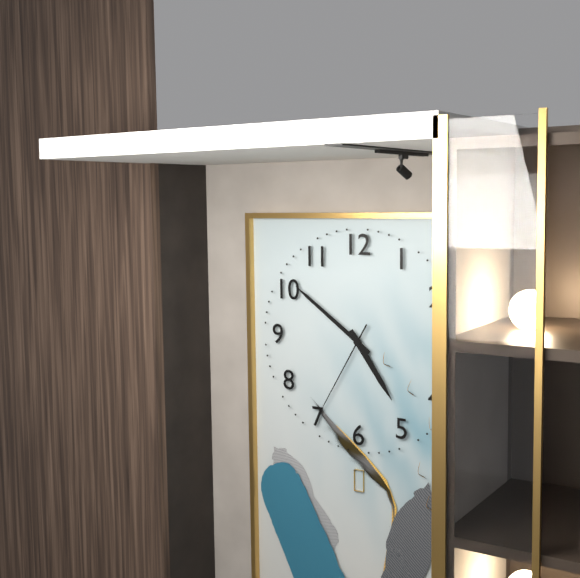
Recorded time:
{"hour": 4, "minute": 51, "second": 35}
